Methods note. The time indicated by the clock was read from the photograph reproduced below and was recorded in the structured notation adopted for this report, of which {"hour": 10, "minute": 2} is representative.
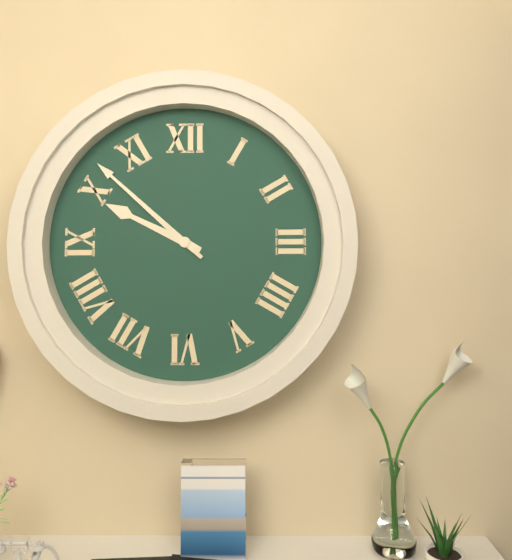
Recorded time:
{"hour": 9, "minute": 52}
